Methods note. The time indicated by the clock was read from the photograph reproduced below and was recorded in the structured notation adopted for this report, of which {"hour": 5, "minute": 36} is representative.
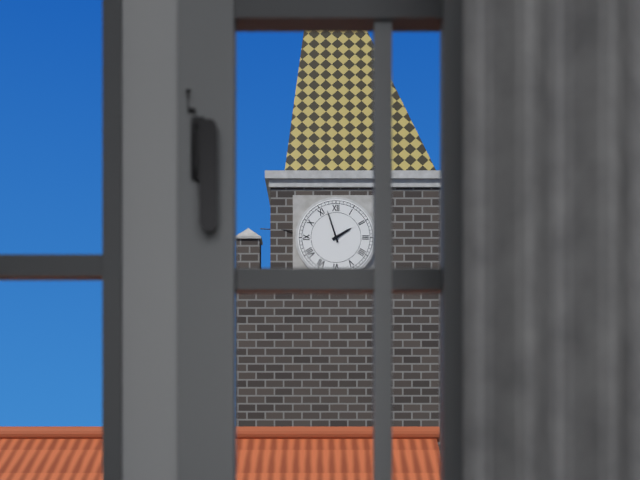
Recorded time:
{"hour": 1, "minute": 57}
